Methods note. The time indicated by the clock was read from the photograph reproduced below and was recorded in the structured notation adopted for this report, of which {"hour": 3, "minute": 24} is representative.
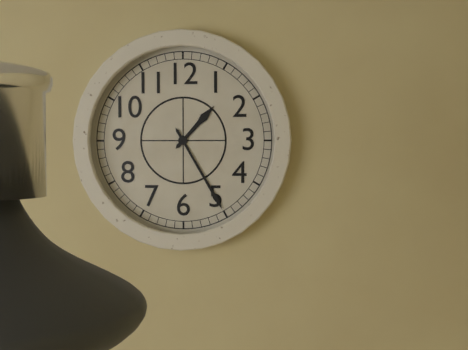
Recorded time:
{"hour": 1, "minute": 25}
